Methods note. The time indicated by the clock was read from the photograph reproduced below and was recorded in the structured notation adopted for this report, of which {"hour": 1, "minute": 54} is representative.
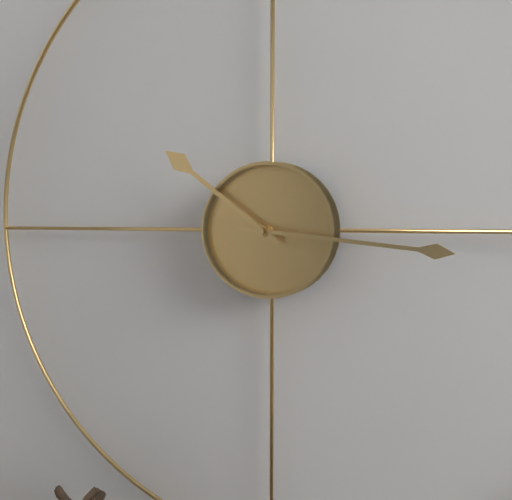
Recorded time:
{"hour": 10, "minute": 16}
